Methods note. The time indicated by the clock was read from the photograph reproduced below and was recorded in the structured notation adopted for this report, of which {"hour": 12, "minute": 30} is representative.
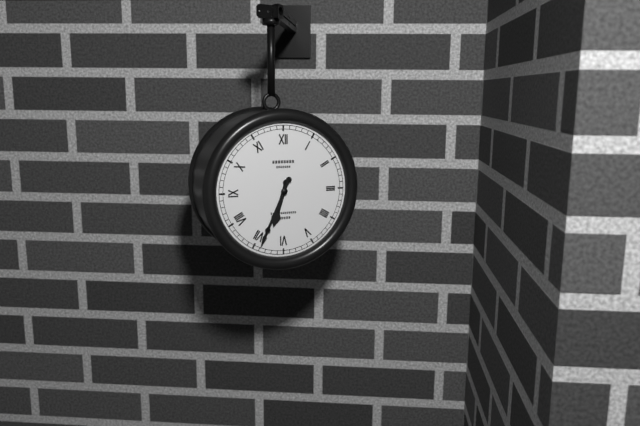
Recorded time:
{"hour": 6, "minute": 34}
